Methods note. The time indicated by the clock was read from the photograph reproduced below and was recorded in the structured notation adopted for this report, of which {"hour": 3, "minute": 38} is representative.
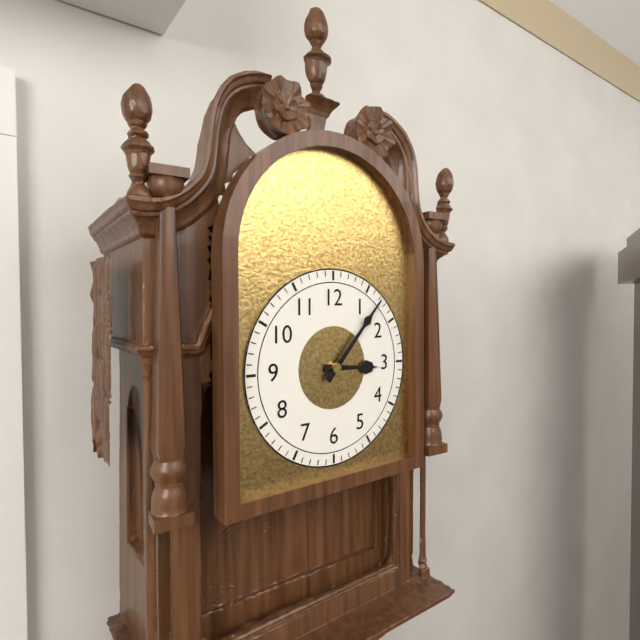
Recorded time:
{"hour": 3, "minute": 7}
